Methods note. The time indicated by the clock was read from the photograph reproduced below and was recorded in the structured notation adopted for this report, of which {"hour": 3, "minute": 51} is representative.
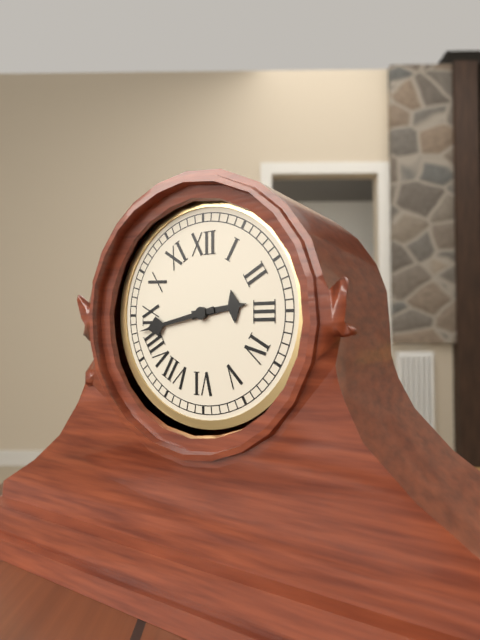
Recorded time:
{"hour": 2, "minute": 43}
